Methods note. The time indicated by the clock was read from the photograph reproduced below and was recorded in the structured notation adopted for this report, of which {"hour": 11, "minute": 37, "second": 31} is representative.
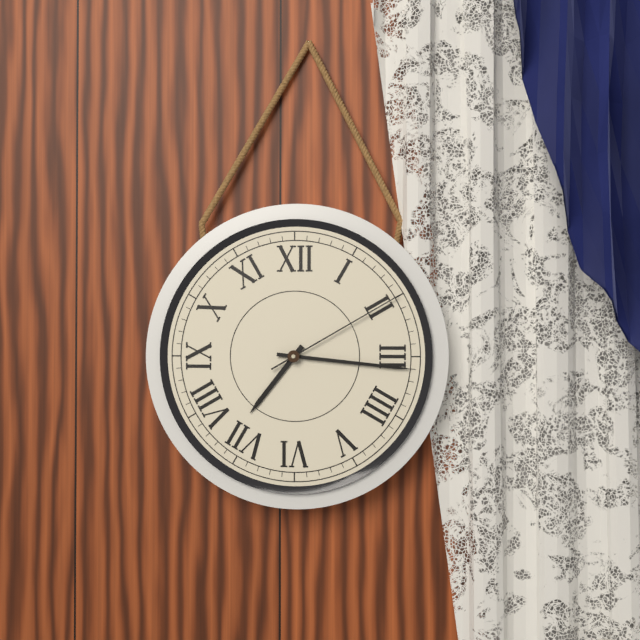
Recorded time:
{"hour": 7, "minute": 16, "second": 10}
